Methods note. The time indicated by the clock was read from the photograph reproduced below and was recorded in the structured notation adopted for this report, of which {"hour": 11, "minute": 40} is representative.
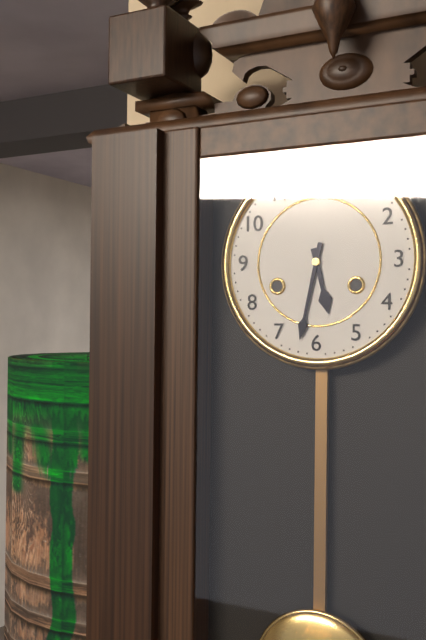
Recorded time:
{"hour": 5, "minute": 32}
